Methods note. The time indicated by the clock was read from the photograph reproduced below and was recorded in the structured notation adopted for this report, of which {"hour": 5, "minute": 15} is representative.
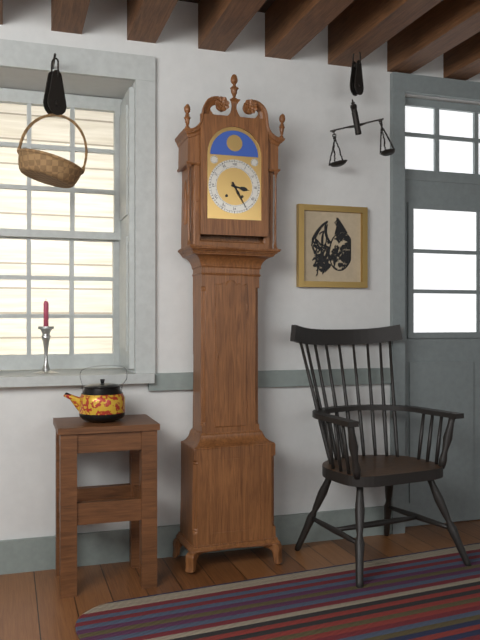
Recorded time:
{"hour": 3, "minute": 25}
